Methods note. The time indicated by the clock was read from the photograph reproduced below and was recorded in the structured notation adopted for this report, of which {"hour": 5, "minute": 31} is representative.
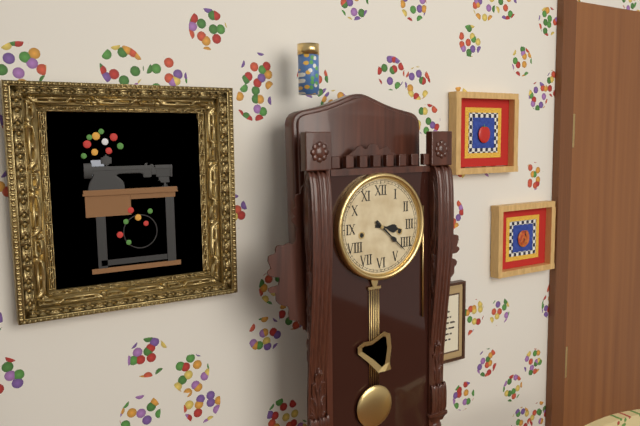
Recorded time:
{"hour": 3, "minute": 22}
